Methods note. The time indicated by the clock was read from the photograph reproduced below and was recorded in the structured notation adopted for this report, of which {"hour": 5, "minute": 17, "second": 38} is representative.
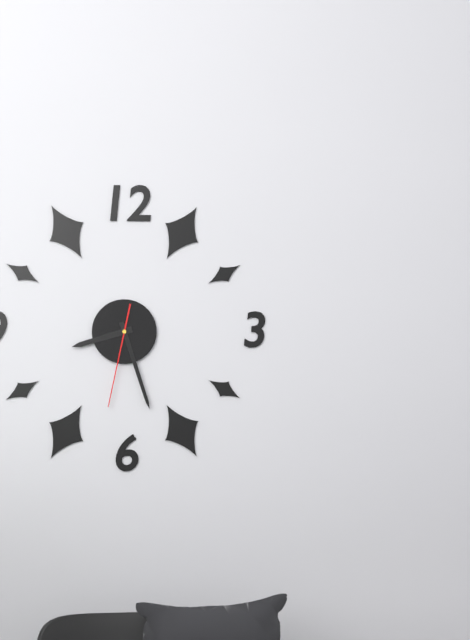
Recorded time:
{"hour": 8, "minute": 27, "second": 32}
